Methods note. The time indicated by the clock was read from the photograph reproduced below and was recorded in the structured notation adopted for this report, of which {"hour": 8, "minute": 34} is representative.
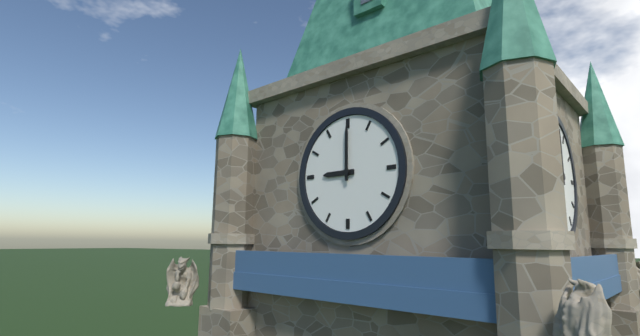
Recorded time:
{"hour": 9, "minute": 0}
